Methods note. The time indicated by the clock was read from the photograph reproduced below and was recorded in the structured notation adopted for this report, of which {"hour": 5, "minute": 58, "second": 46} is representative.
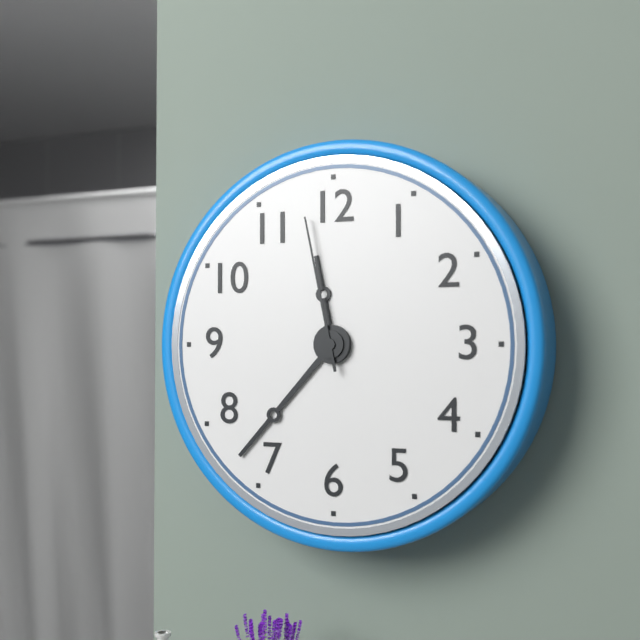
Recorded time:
{"hour": 11, "minute": 37, "second": 58}
